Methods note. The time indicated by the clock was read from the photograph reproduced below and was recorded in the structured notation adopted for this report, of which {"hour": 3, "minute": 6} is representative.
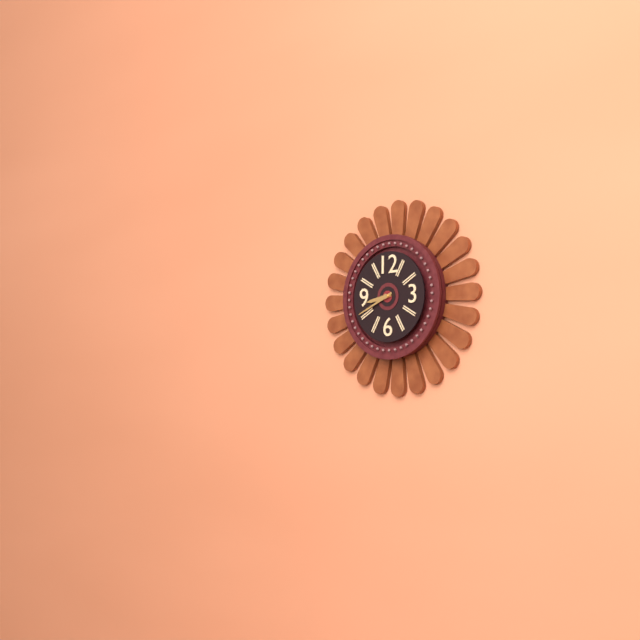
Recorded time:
{"hour": 8, "minute": 41}
